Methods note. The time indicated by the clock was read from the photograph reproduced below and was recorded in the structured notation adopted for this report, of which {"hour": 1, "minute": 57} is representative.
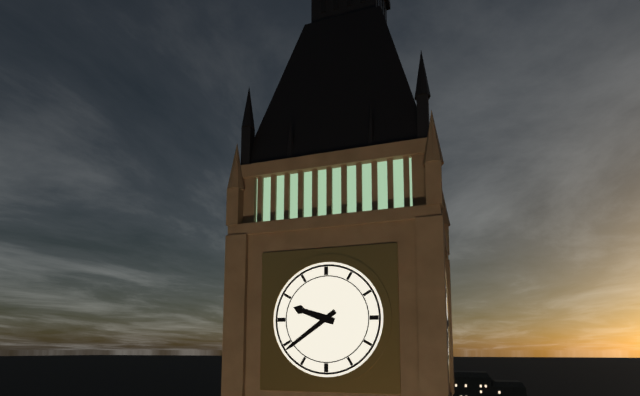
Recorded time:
{"hour": 9, "minute": 39}
